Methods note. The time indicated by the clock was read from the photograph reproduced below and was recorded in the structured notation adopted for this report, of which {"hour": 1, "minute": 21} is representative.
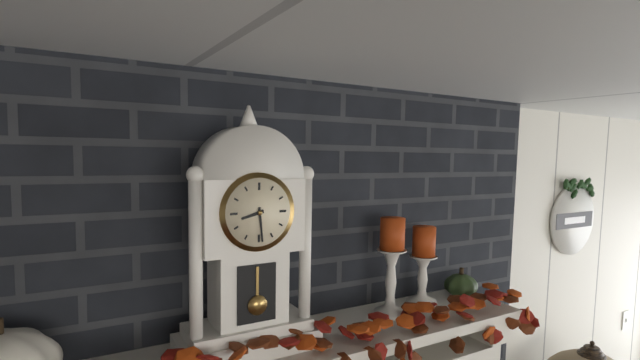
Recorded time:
{"hour": 8, "minute": 29}
